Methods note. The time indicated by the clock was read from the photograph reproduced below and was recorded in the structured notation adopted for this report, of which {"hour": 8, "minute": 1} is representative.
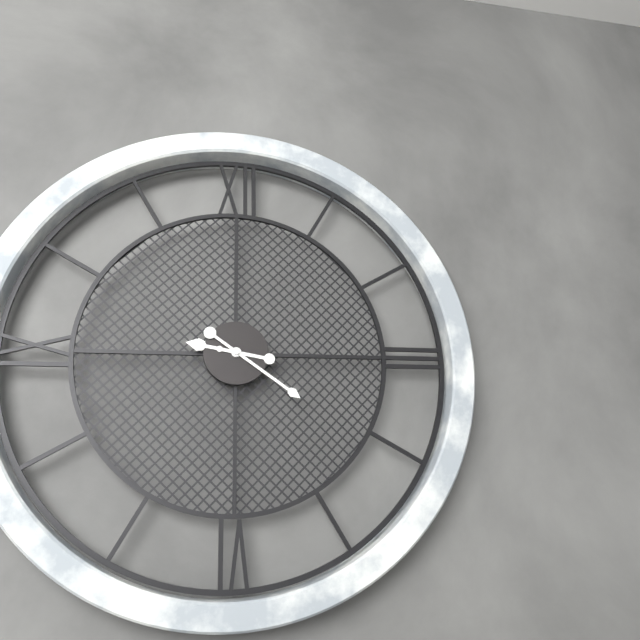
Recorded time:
{"hour": 9, "minute": 21}
